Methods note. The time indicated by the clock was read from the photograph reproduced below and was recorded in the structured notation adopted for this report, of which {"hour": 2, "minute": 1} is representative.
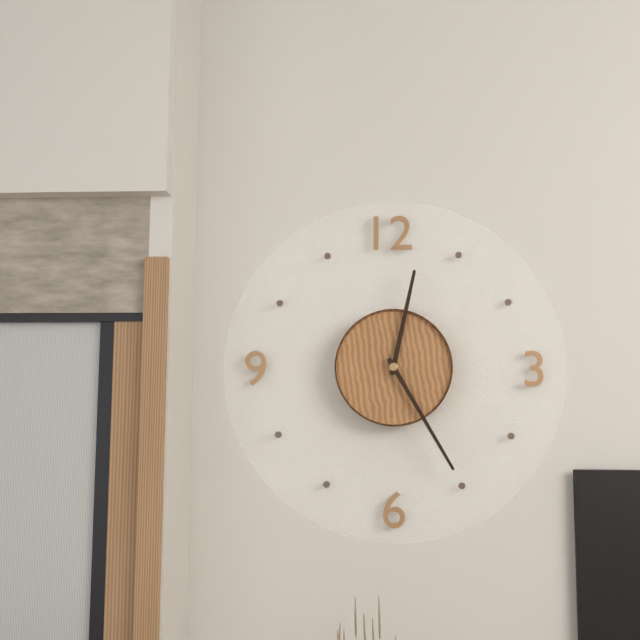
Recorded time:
{"hour": 12, "minute": 25}
